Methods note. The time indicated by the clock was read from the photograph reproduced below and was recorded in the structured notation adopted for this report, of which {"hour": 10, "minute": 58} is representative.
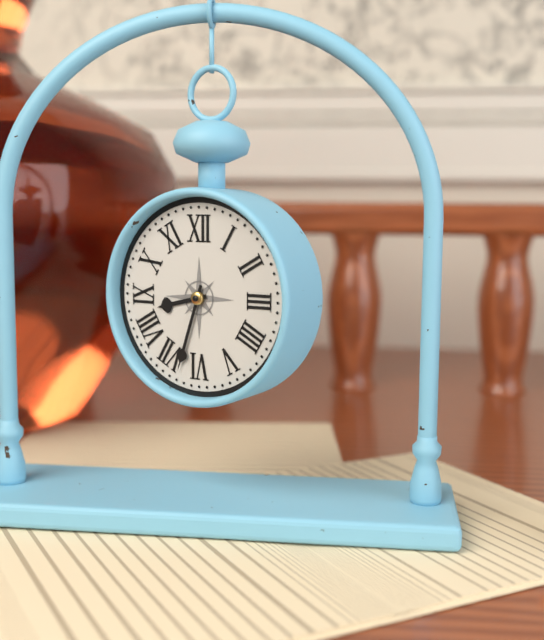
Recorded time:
{"hour": 8, "minute": 33}
